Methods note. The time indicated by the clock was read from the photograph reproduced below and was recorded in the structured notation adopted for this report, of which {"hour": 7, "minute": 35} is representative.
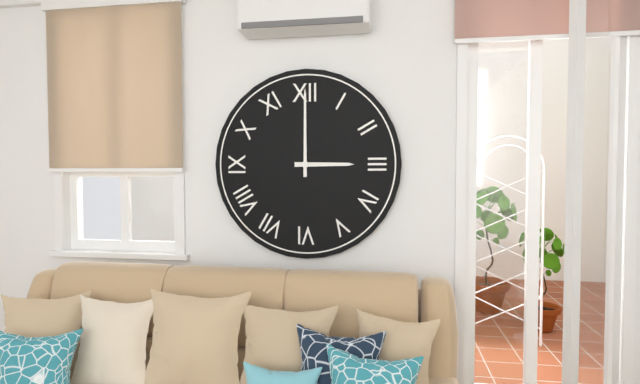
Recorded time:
{"hour": 3, "minute": 0}
